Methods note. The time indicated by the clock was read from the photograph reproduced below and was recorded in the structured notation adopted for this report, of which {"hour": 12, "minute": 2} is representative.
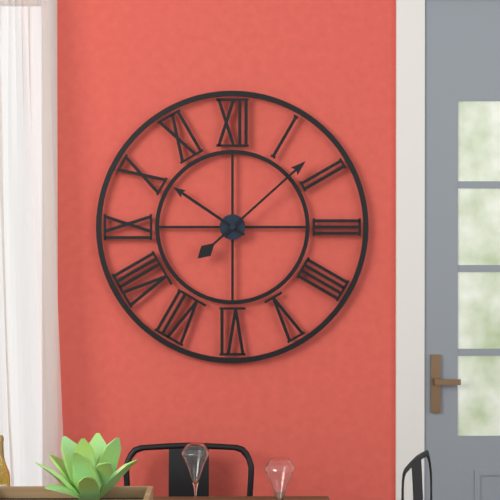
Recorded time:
{"hour": 10, "minute": 8}
